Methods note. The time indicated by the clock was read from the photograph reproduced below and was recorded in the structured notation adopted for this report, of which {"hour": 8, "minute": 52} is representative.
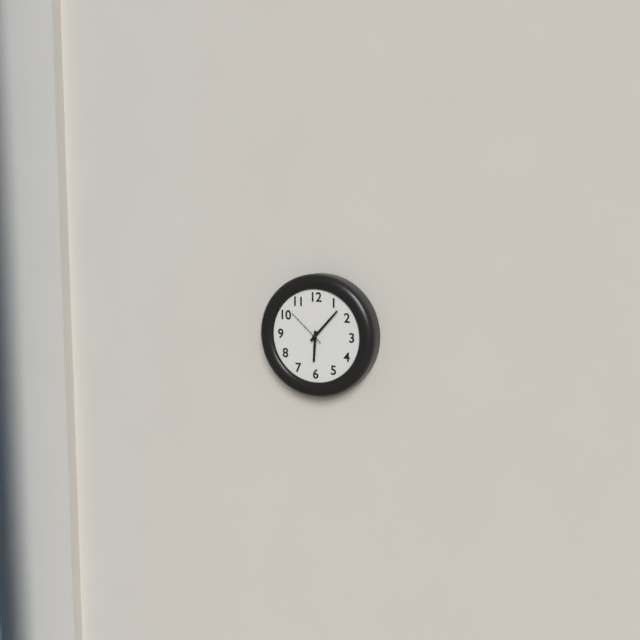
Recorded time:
{"hour": 6, "minute": 7}
